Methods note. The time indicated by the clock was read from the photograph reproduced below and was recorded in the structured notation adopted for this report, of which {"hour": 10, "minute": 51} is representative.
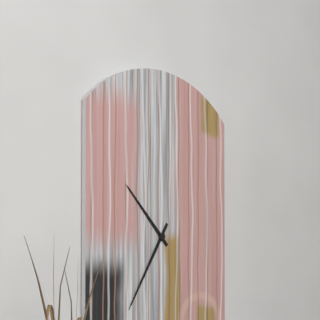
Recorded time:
{"hour": 10, "minute": 35}
